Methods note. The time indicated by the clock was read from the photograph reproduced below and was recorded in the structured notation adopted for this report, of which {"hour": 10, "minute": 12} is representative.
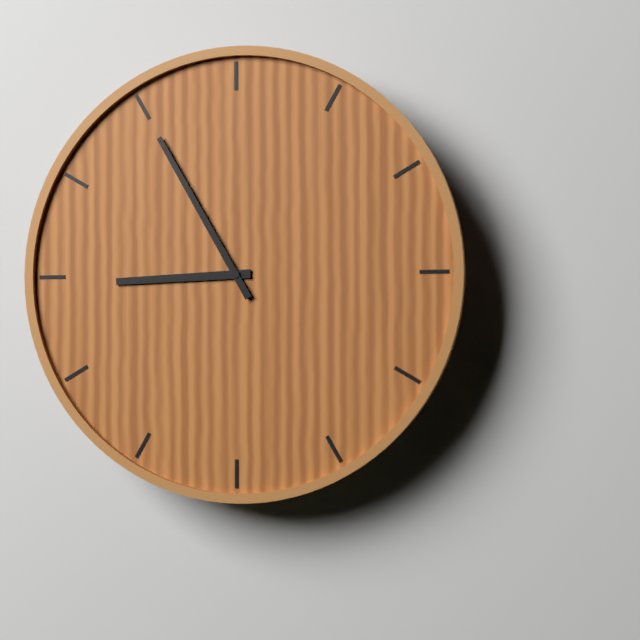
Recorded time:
{"hour": 8, "minute": 55}
